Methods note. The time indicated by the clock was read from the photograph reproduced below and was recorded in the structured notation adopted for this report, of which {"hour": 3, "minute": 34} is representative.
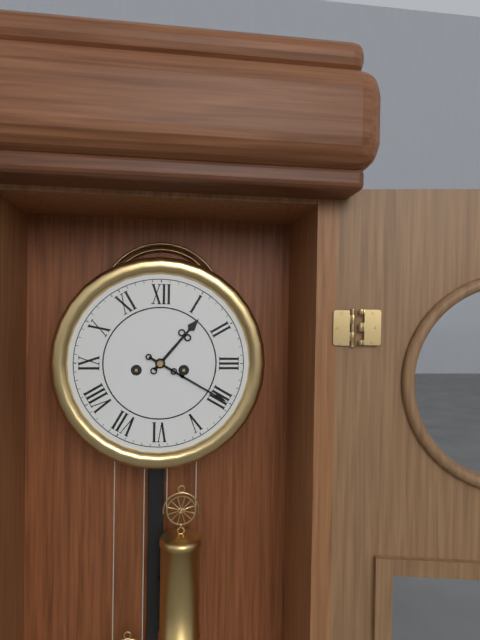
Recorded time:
{"hour": 1, "minute": 20}
